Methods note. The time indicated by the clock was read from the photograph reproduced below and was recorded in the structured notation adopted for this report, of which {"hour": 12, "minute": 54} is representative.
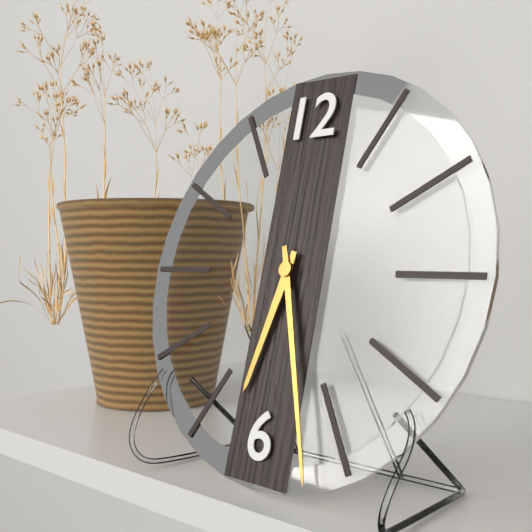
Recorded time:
{"hour": 6, "minute": 27}
